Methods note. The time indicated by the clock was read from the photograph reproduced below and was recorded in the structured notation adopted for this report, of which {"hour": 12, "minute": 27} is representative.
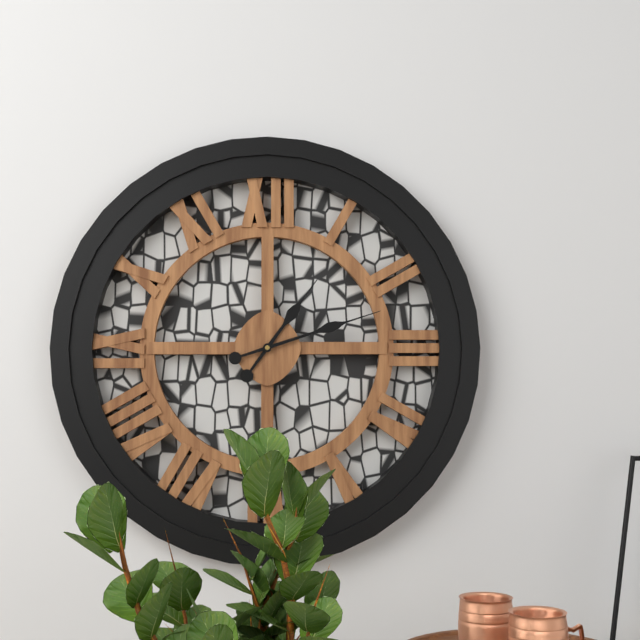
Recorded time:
{"hour": 1, "minute": 12}
